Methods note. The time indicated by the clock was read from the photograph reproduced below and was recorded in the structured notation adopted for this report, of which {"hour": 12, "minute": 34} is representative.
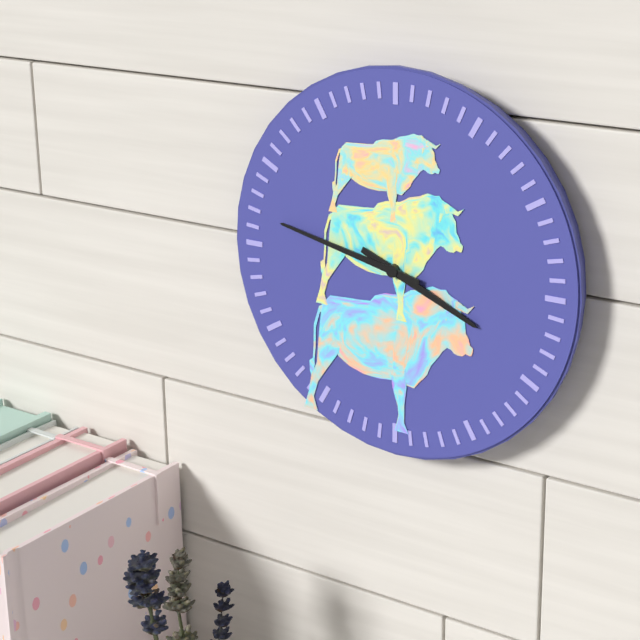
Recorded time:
{"hour": 3, "minute": 47}
